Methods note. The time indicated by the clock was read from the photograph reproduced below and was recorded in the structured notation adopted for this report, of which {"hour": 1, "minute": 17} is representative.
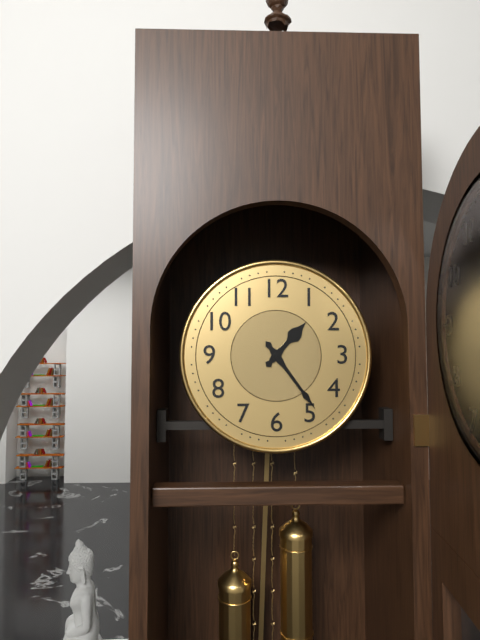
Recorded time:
{"hour": 1, "minute": 24}
